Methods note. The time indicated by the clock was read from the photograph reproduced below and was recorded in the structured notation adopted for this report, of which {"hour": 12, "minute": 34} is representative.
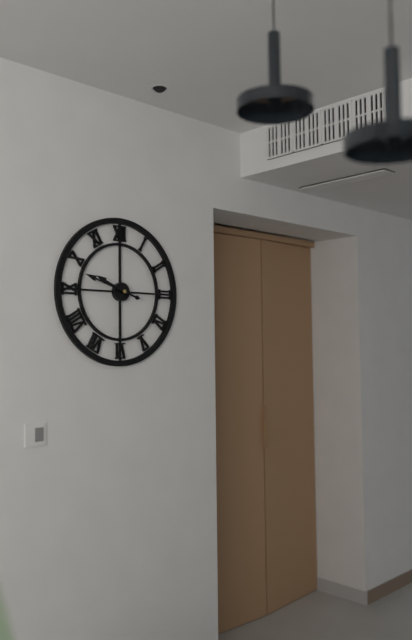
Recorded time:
{"hour": 9, "minute": 48}
